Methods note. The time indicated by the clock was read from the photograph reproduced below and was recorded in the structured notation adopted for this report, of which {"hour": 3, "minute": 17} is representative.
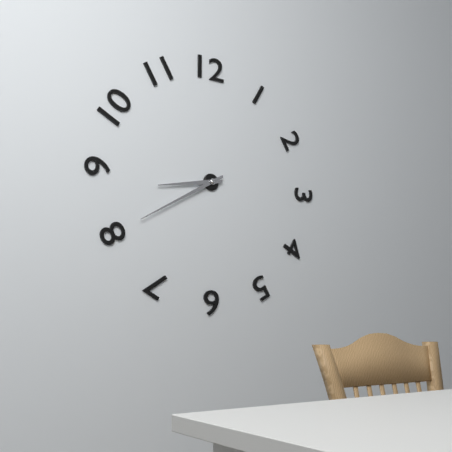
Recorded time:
{"hour": 8, "minute": 40}
